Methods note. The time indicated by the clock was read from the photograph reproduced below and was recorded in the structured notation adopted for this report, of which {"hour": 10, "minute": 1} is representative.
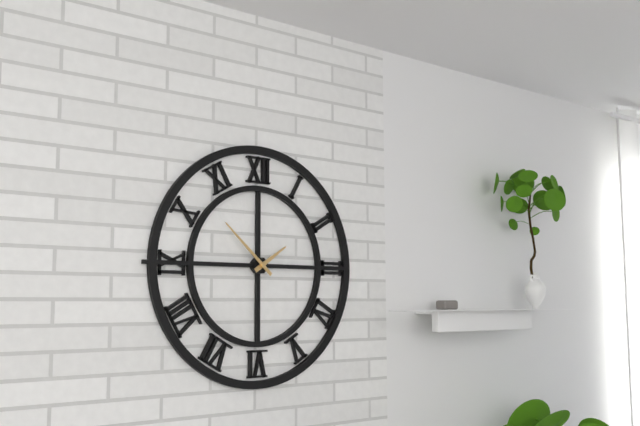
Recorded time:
{"hour": 1, "minute": 52}
